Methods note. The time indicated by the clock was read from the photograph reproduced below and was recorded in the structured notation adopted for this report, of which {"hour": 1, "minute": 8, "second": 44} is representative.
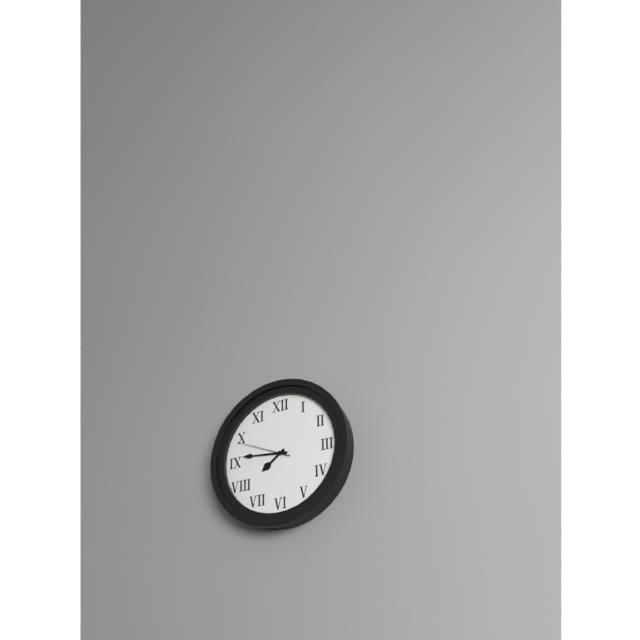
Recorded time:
{"hour": 7, "minute": 46, "second": 49}
